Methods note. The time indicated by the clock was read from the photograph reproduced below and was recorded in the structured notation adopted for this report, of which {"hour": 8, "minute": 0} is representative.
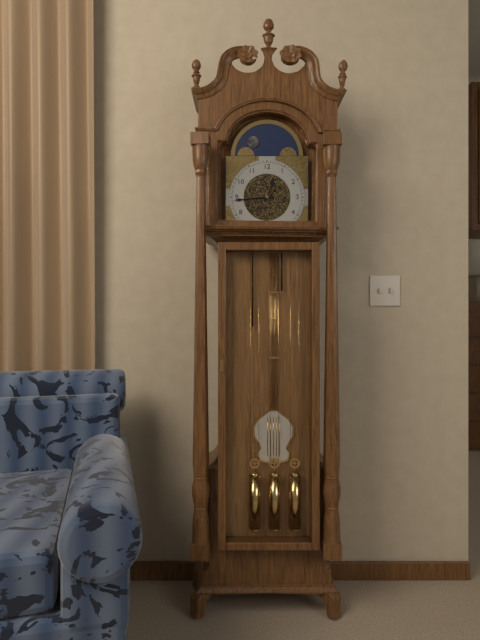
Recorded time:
{"hour": 12, "minute": 44}
